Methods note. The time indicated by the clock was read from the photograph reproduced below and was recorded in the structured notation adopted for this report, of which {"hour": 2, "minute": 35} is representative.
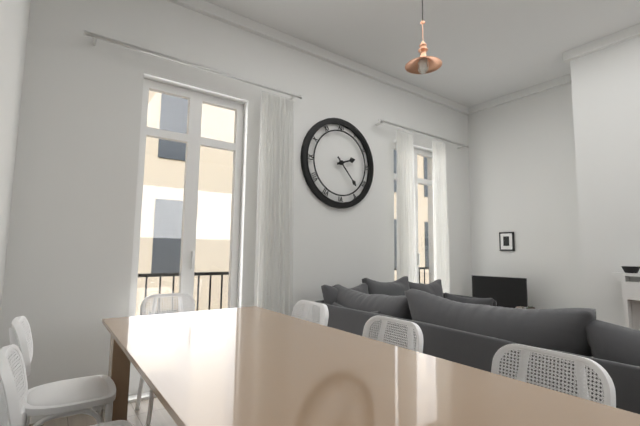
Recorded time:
{"hour": 2, "minute": 23}
